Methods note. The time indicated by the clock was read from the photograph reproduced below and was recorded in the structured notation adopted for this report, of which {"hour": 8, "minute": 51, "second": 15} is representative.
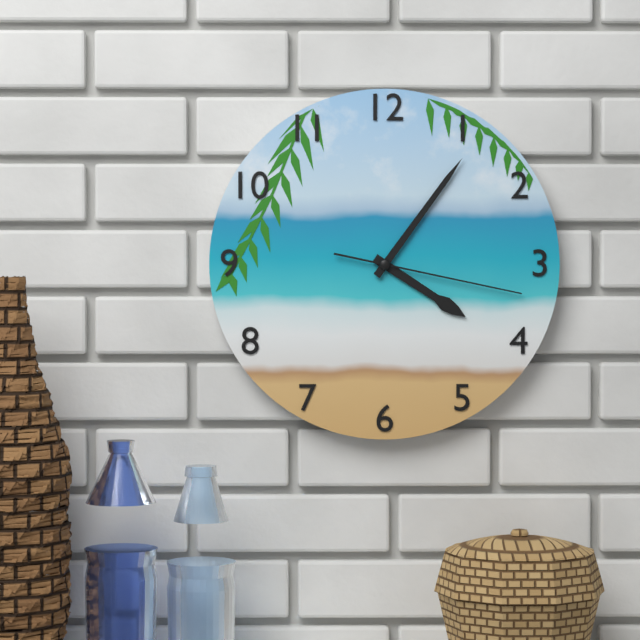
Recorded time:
{"hour": 4, "minute": 6, "second": 17}
